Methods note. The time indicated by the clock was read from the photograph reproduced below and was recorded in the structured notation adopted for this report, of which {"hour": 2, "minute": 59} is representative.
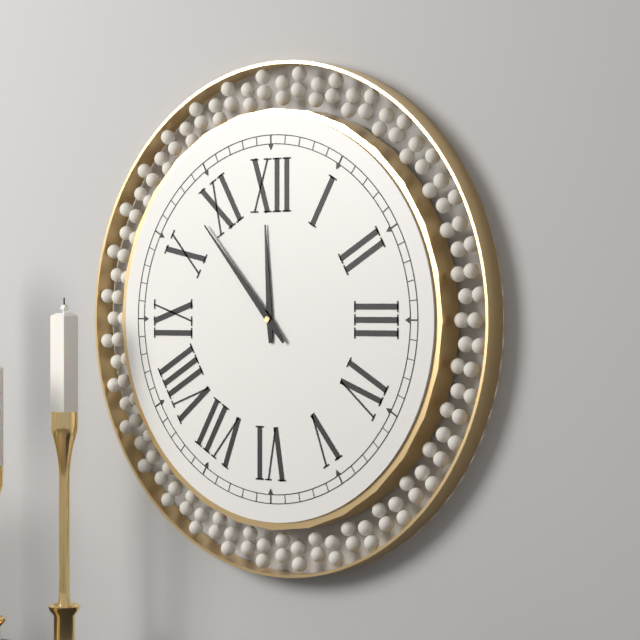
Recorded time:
{"hour": 11, "minute": 53}
